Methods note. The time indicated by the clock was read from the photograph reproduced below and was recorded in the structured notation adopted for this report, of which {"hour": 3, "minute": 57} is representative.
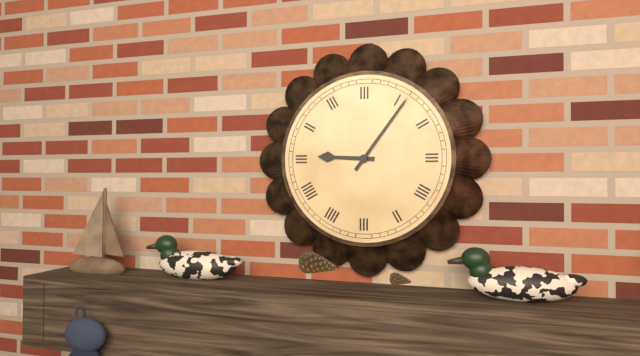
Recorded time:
{"hour": 9, "minute": 6}
